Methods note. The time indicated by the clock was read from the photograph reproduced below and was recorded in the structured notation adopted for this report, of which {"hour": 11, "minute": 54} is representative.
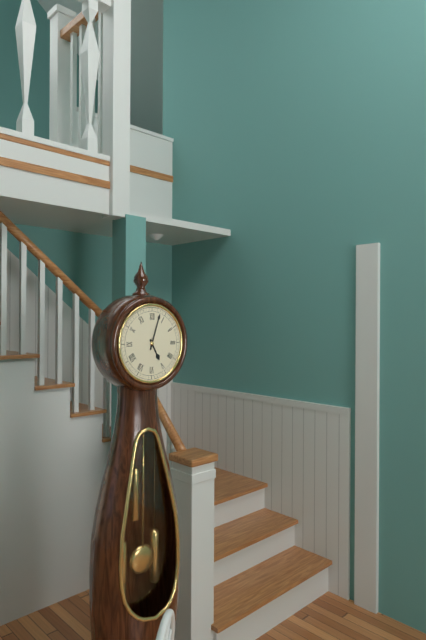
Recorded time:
{"hour": 5, "minute": 3}
